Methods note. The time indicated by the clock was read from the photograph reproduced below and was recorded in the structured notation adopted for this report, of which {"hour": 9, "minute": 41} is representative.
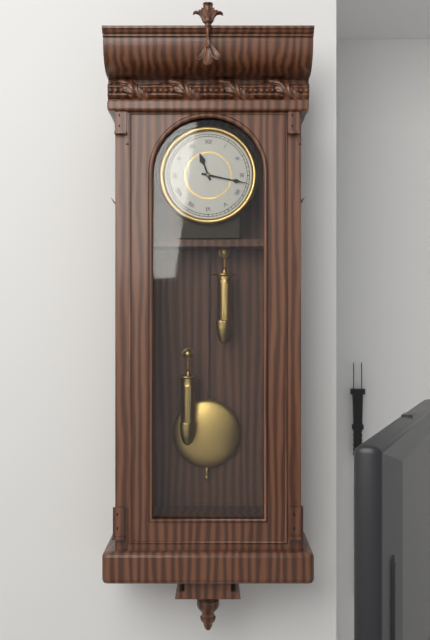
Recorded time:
{"hour": 11, "minute": 17}
